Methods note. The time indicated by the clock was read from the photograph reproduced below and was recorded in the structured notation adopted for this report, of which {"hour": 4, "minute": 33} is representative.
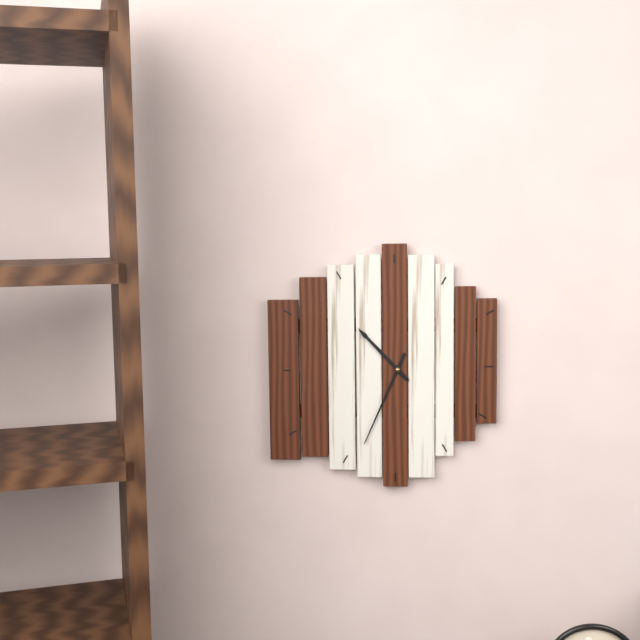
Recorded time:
{"hour": 10, "minute": 34}
